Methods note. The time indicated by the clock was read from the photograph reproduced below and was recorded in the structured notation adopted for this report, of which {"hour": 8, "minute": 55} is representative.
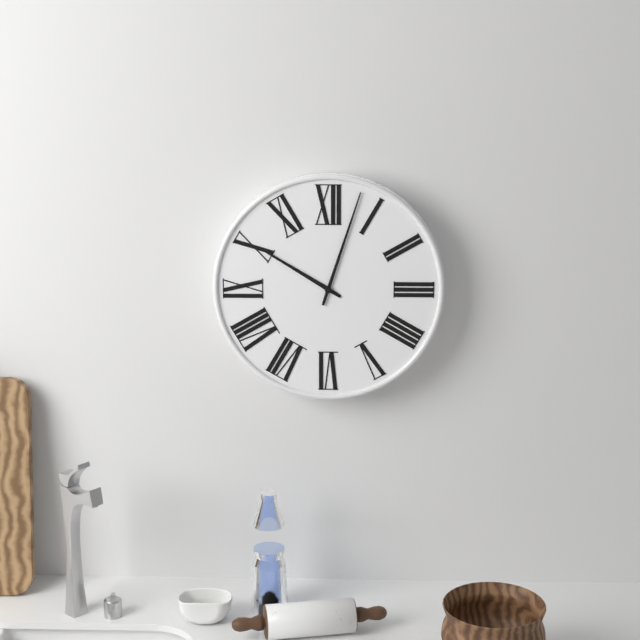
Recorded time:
{"hour": 10, "minute": 3}
